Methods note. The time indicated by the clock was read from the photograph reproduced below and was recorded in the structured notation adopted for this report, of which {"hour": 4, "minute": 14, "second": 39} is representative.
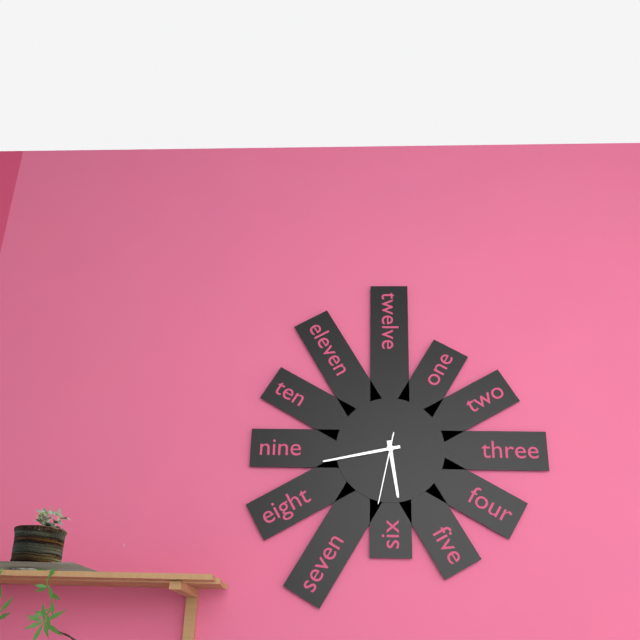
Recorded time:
{"hour": 5, "minute": 43, "second": 32}
